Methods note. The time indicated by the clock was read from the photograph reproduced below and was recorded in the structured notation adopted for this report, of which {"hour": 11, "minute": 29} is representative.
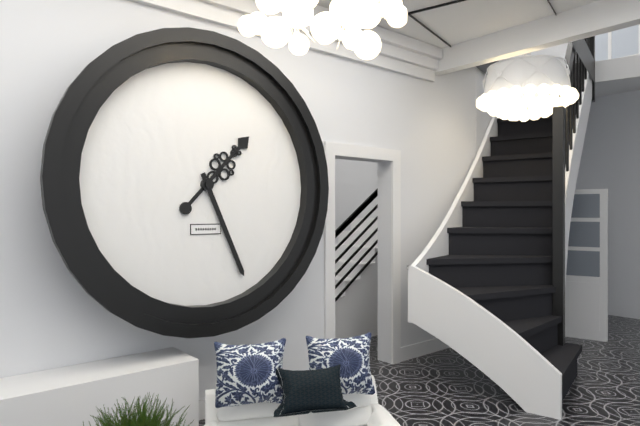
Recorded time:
{"hour": 1, "minute": 26}
